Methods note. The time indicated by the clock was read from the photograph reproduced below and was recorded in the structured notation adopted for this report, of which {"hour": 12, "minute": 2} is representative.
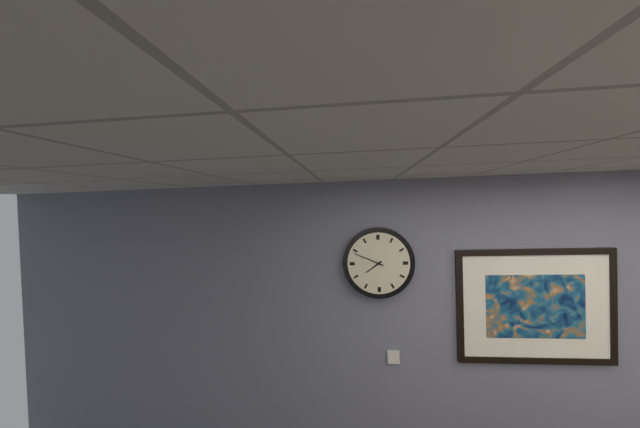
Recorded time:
{"hour": 7, "minute": 49}
